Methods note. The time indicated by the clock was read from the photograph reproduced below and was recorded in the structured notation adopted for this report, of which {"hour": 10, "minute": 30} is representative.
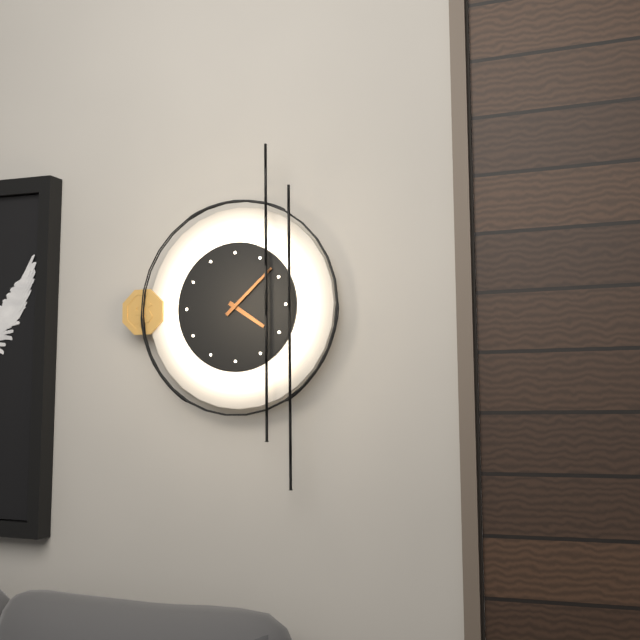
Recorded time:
{"hour": 4, "minute": 8}
